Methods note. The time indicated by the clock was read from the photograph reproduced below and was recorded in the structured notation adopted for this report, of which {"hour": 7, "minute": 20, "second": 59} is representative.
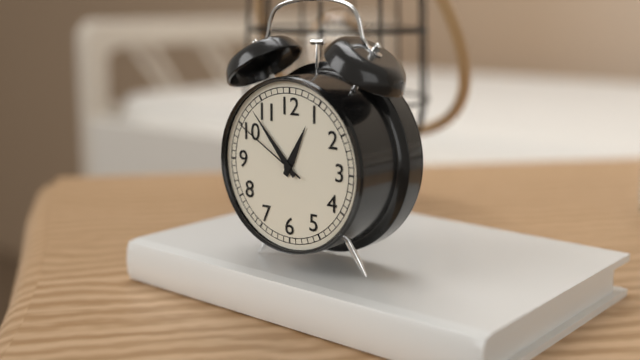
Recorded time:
{"hour": 12, "minute": 53, "second": 50}
